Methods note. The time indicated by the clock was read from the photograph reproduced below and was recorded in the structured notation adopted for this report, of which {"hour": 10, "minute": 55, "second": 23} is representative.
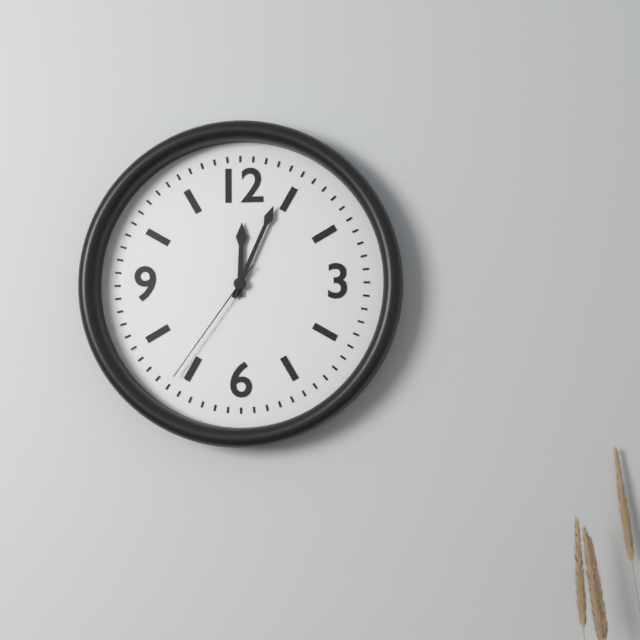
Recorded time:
{"hour": 12, "minute": 4, "second": 36}
